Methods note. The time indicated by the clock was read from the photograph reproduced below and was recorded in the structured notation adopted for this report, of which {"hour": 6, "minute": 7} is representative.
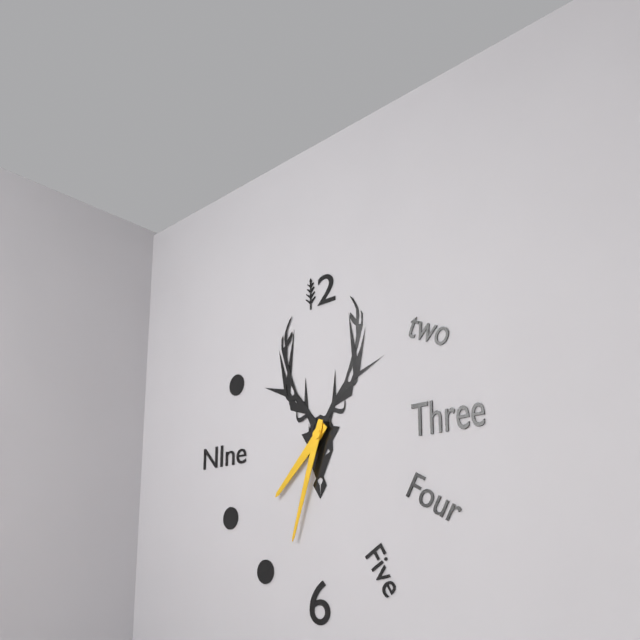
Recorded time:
{"hour": 7, "minute": 33}
